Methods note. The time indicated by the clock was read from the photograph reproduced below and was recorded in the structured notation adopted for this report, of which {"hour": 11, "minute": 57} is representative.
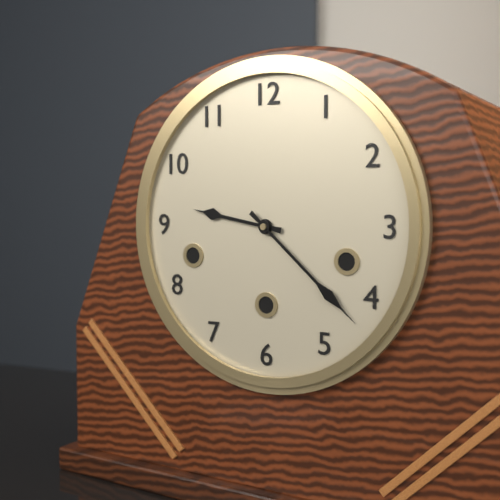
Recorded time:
{"hour": 9, "minute": 22}
